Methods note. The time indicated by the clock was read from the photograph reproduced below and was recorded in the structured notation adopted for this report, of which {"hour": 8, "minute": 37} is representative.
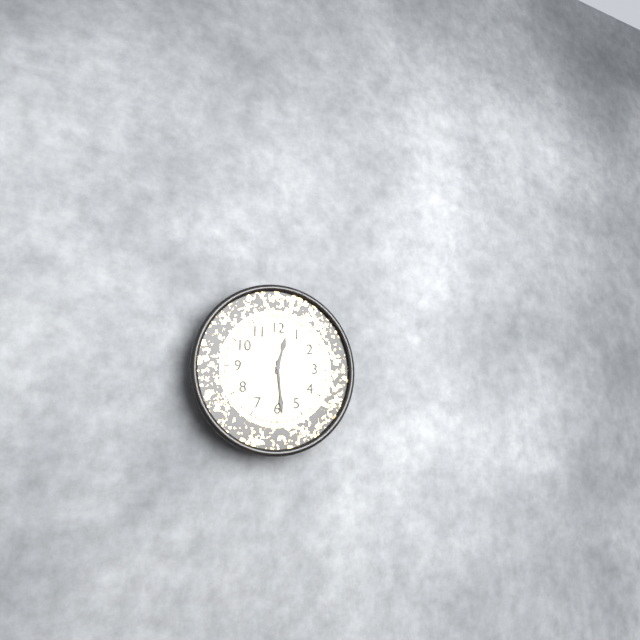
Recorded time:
{"hour": 12, "minute": 29}
